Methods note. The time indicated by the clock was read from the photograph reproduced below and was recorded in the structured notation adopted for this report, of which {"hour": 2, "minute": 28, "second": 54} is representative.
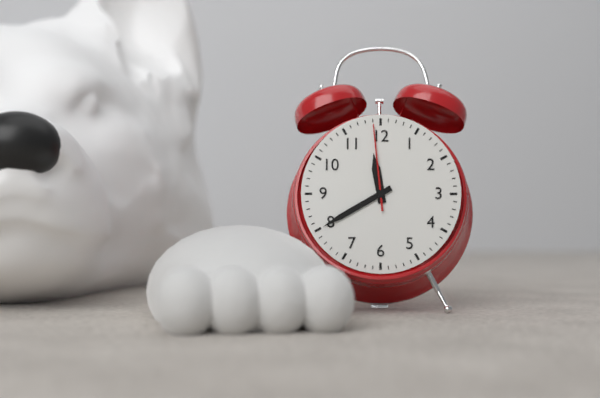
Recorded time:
{"hour": 11, "minute": 40, "second": 59}
